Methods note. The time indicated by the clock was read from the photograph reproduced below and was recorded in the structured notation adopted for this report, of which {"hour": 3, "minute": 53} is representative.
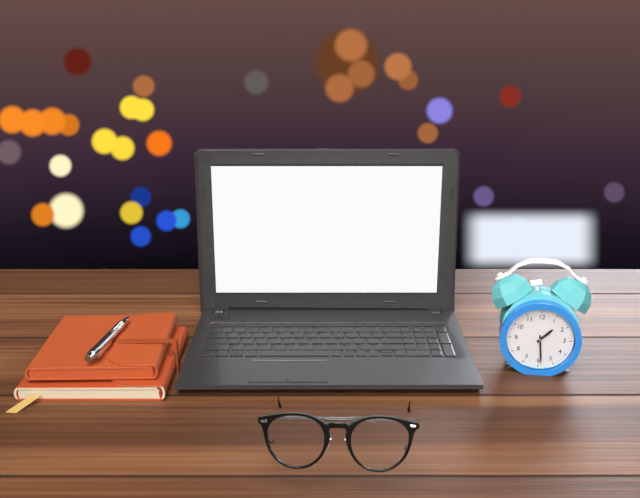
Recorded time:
{"hour": 1, "minute": 29}
